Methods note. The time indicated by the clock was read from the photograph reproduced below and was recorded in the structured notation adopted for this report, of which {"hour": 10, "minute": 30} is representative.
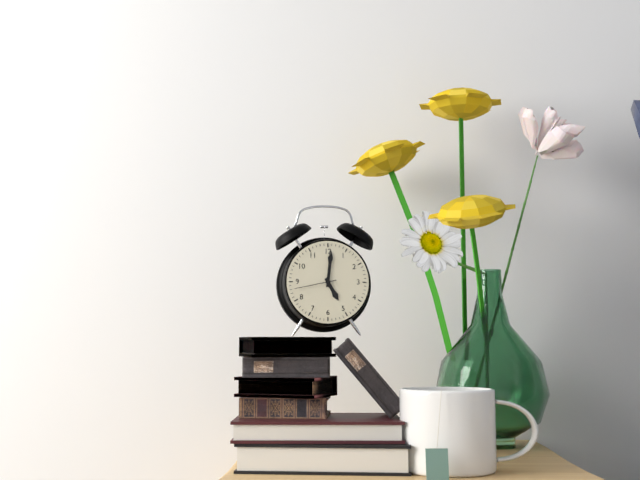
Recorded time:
{"hour": 5, "minute": 1}
